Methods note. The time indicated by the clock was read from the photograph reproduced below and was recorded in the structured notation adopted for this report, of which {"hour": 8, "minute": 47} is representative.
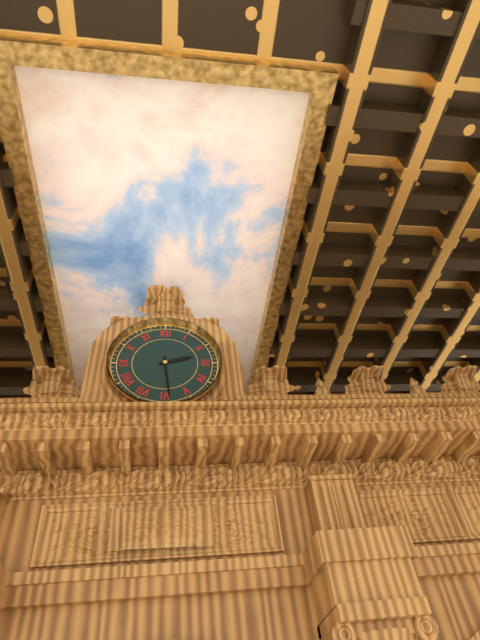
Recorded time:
{"hour": 2, "minute": 29}
